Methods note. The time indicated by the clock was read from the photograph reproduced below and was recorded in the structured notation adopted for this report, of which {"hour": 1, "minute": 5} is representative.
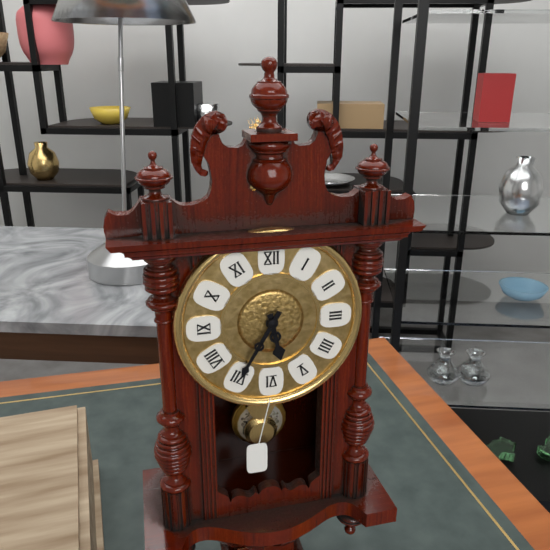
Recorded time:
{"hour": 5, "minute": 35}
